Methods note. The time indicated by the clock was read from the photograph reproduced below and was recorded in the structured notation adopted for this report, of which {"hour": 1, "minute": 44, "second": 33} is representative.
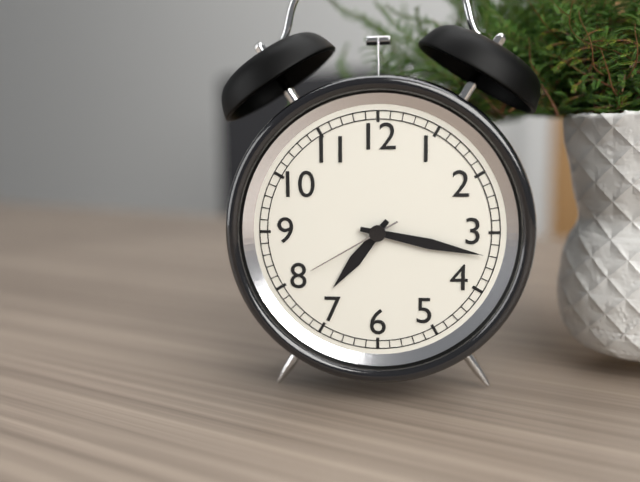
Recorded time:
{"hour": 7, "minute": 17, "second": 40}
